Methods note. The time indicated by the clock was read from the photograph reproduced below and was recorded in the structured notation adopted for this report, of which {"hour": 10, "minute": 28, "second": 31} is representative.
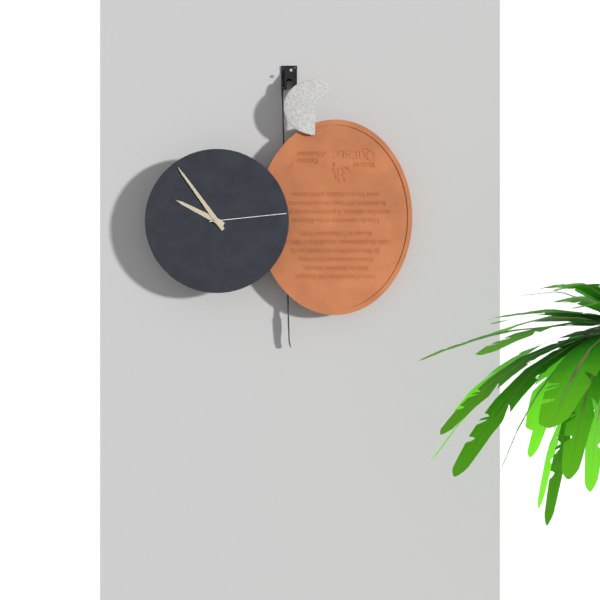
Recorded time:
{"hour": 9, "minute": 54, "second": 14}
